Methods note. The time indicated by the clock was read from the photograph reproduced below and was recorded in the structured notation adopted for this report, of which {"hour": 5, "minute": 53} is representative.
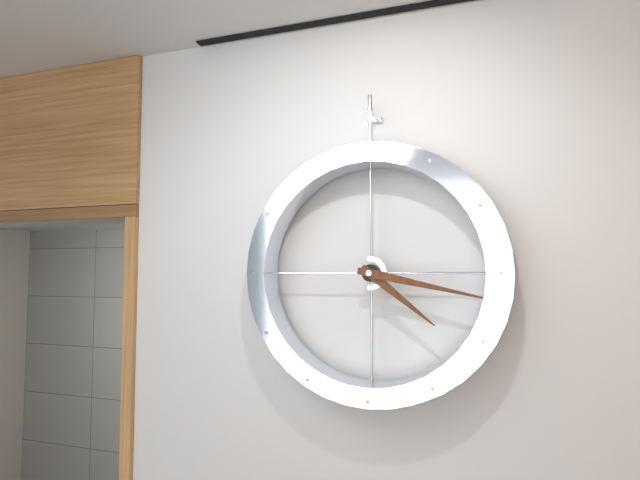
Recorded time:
{"hour": 4, "minute": 17}
